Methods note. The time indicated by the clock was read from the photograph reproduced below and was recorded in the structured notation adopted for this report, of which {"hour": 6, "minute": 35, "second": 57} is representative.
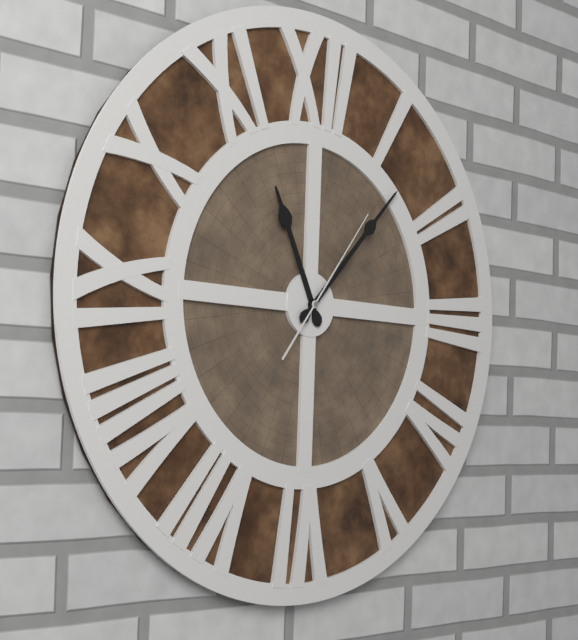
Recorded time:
{"hour": 11, "minute": 7, "second": 6}
